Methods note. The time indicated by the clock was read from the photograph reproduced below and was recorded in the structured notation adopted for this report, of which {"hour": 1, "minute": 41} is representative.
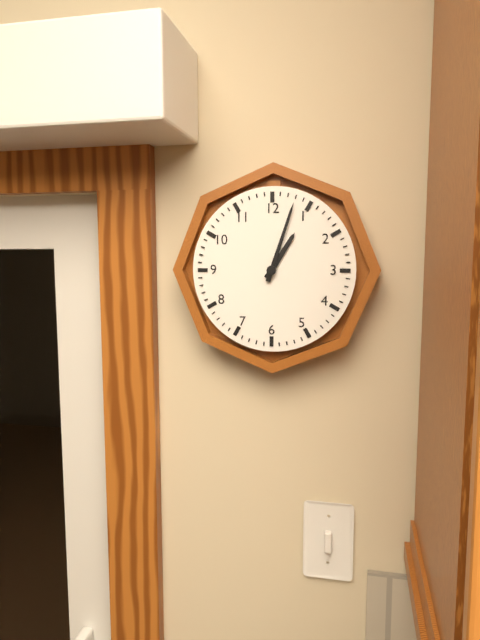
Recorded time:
{"hour": 1, "minute": 3}
